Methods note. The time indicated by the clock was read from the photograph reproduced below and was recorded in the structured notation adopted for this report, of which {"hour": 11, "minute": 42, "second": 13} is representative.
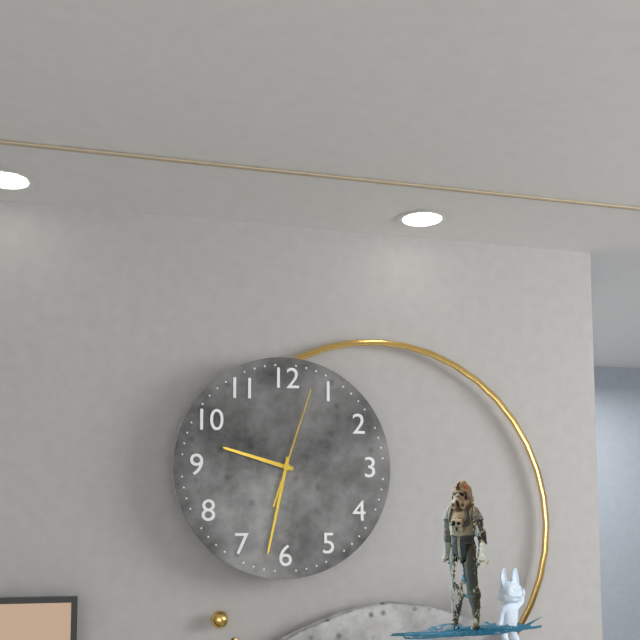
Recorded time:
{"hour": 9, "minute": 32, "second": 3}
